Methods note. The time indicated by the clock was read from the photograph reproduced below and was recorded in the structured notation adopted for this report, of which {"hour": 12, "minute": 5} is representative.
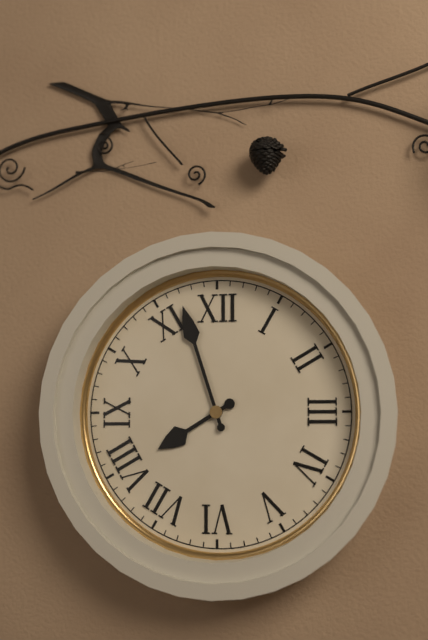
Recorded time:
{"hour": 7, "minute": 57}
